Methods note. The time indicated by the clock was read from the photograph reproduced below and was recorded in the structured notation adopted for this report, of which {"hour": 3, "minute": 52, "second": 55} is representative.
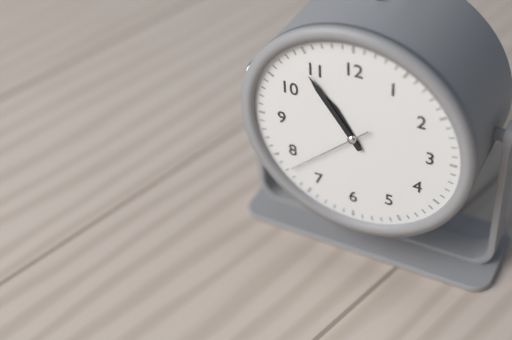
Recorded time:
{"hour": 10, "minute": 54, "second": 38}
